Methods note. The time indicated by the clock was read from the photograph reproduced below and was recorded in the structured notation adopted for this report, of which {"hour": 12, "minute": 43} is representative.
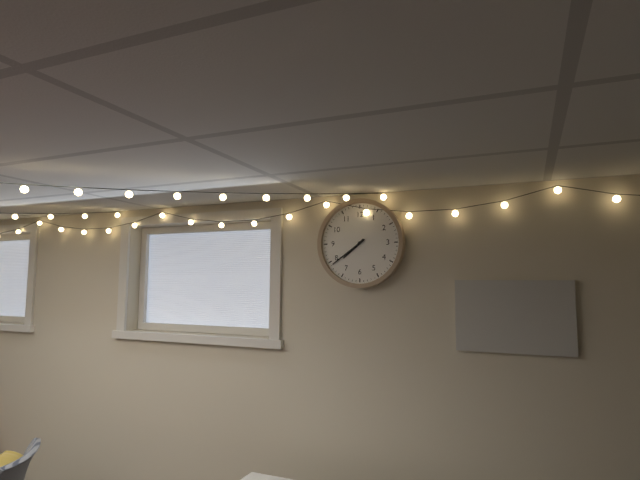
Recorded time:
{"hour": 7, "minute": 39}
